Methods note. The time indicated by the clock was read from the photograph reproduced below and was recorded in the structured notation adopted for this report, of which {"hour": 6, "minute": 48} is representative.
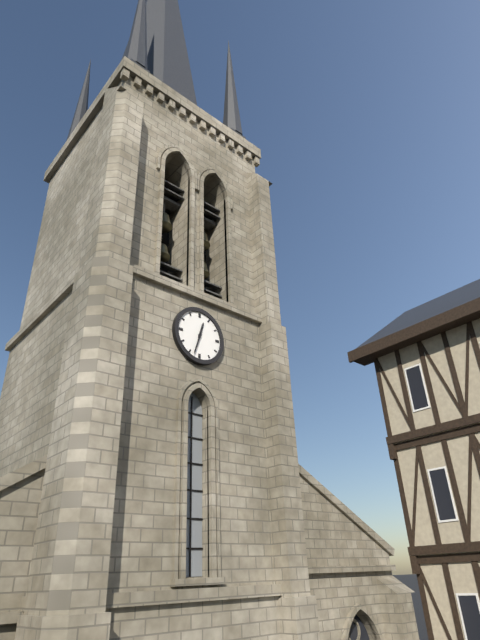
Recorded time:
{"hour": 12, "minute": 33}
